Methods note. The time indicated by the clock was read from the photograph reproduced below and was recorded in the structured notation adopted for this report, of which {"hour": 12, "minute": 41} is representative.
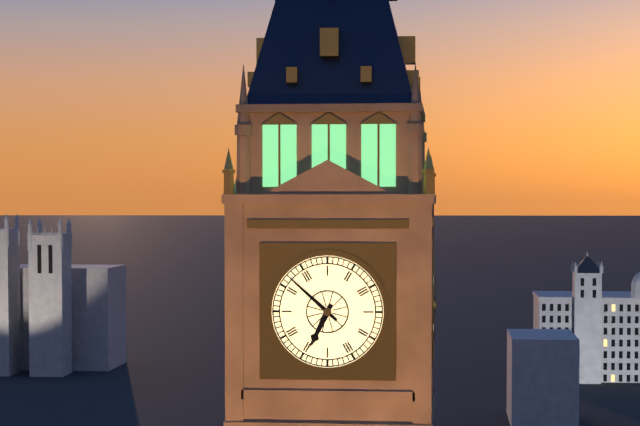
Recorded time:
{"hour": 6, "minute": 52}
